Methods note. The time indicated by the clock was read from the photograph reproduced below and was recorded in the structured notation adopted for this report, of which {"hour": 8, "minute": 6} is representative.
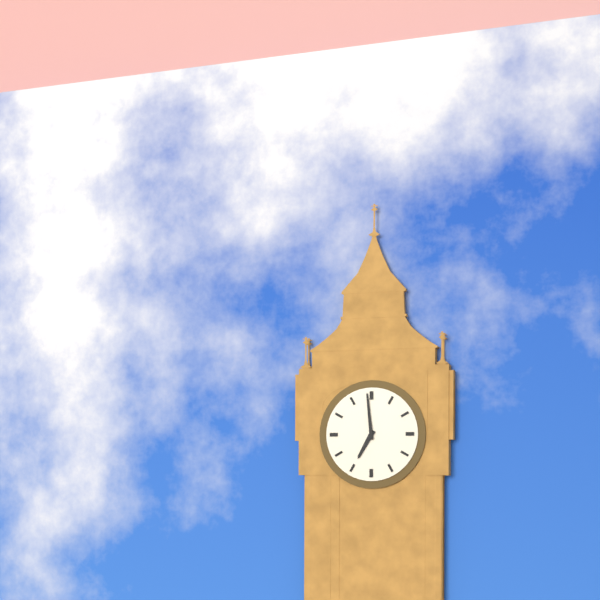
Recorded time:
{"hour": 6, "minute": 59}
